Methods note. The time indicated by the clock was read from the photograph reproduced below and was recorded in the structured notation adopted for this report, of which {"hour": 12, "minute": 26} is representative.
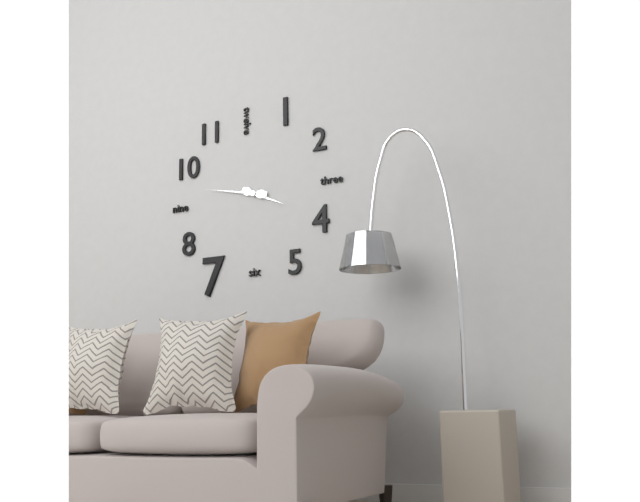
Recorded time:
{"hour": 3, "minute": 47}
